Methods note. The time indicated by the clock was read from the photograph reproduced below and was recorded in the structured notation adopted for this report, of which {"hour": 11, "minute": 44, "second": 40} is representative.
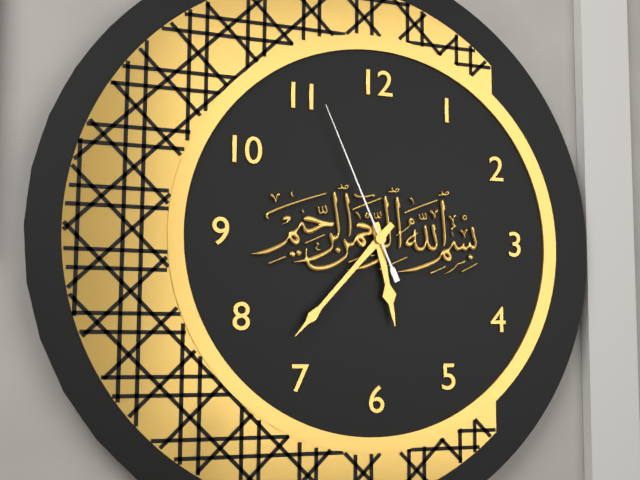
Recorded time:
{"hour": 5, "minute": 37, "second": 56}
